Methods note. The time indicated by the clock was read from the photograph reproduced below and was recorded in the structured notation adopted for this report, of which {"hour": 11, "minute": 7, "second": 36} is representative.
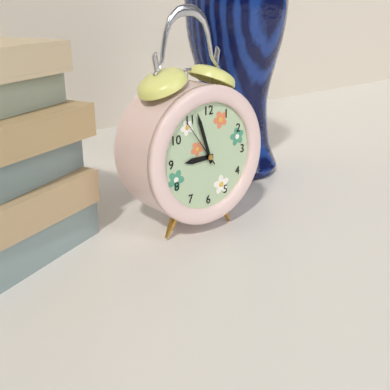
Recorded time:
{"hour": 8, "minute": 57, "second": 54}
